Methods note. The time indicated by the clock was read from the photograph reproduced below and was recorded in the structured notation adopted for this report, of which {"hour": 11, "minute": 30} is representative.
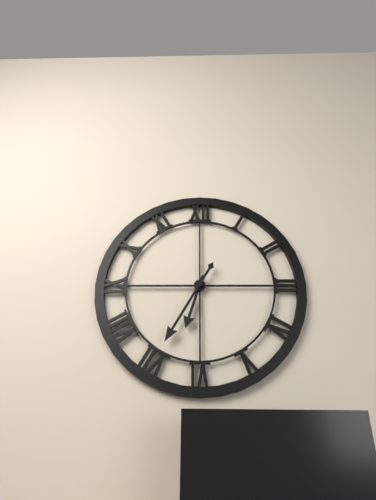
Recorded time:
{"hour": 6, "minute": 35}
